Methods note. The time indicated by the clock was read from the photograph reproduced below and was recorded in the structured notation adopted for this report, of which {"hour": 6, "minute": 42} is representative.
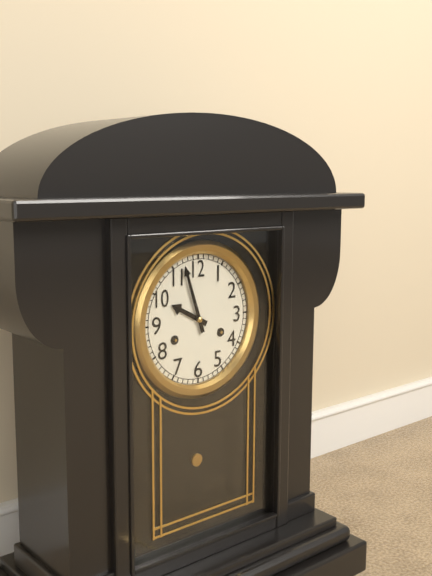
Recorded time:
{"hour": 9, "minute": 57}
